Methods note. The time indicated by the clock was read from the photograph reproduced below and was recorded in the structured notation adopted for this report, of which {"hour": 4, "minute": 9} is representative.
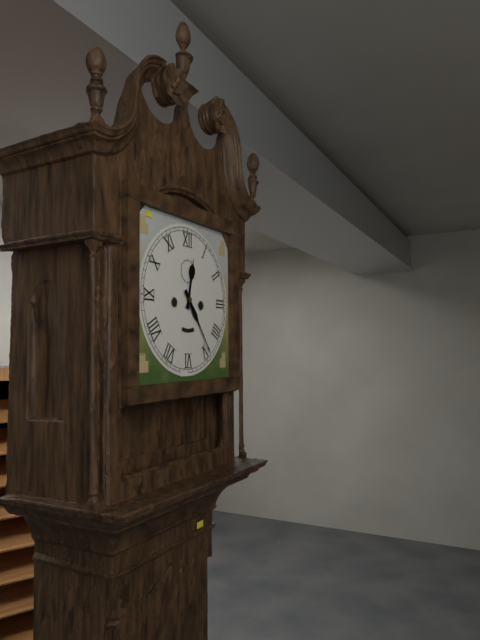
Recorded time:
{"hour": 12, "minute": 24}
